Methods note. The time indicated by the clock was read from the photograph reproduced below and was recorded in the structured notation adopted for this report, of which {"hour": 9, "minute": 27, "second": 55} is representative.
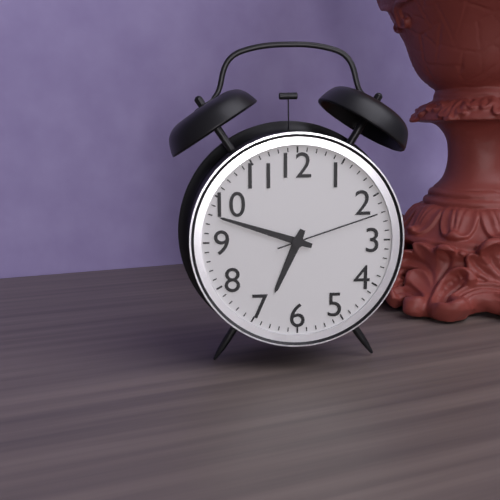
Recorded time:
{"hour": 6, "minute": 48, "second": 12}
